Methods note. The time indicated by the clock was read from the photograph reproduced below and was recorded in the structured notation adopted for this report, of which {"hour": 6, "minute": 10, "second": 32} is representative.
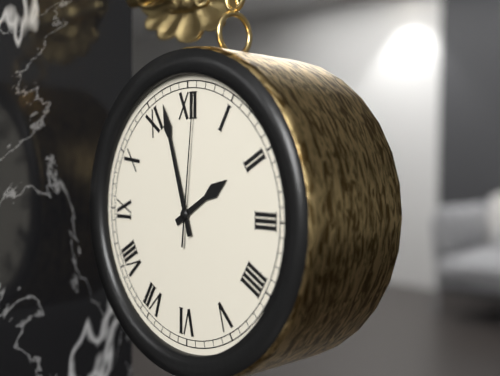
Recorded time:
{"hour": 1, "minute": 57, "second": 1}
